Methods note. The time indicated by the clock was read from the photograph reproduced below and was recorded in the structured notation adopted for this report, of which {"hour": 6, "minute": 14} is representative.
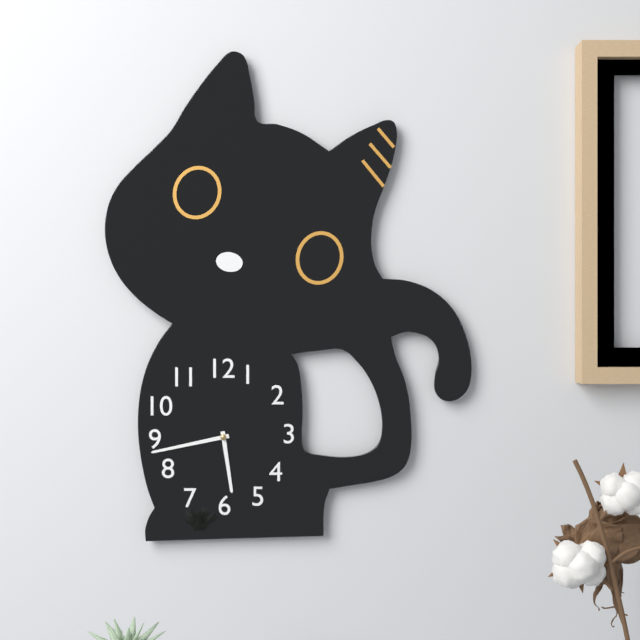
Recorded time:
{"hour": 5, "minute": 43}
